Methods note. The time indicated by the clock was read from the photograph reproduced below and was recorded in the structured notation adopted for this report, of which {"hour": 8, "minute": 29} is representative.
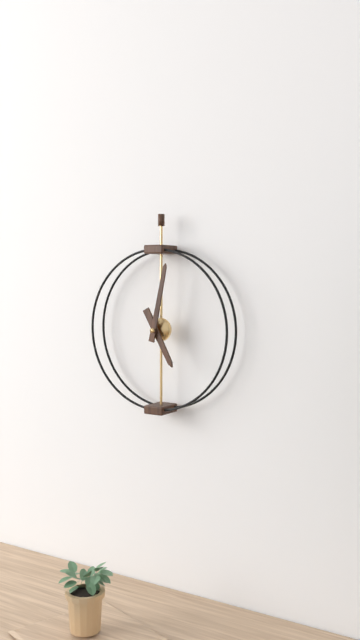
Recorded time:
{"hour": 5, "minute": 2}
